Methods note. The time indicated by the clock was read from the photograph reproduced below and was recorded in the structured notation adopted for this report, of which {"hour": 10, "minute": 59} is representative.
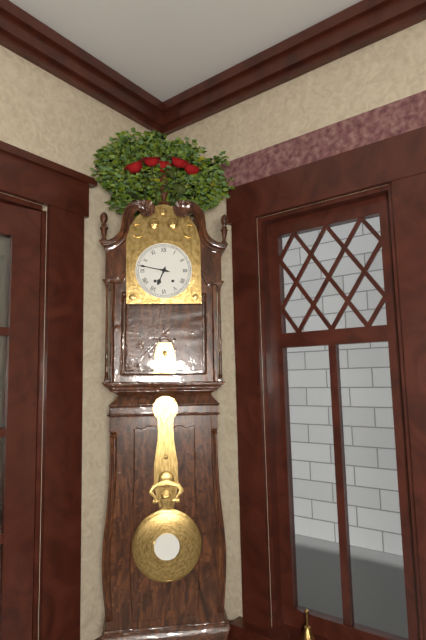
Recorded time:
{"hour": 6, "minute": 47}
